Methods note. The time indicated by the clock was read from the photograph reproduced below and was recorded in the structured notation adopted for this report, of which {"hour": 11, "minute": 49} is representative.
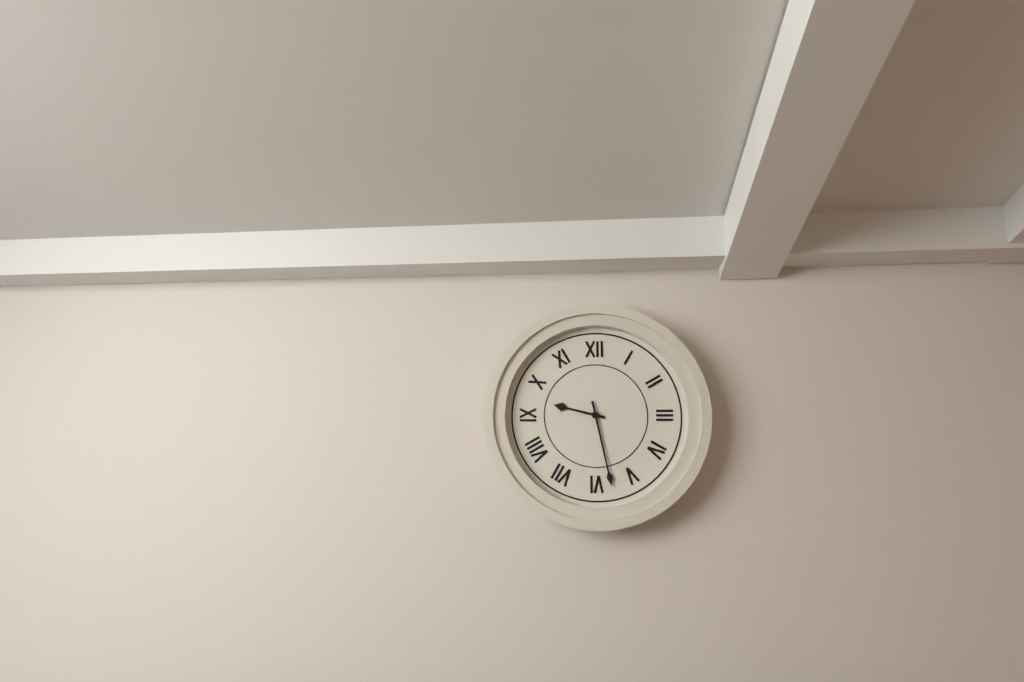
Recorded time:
{"hour": 9, "minute": 28}
